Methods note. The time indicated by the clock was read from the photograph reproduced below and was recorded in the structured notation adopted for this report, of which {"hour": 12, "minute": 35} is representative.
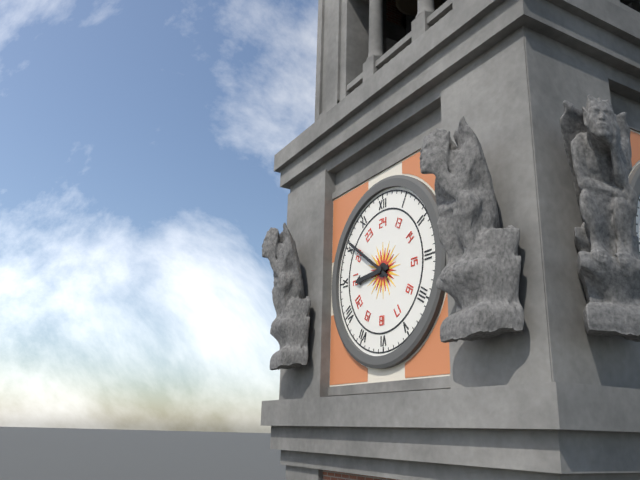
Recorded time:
{"hour": 8, "minute": 51}
